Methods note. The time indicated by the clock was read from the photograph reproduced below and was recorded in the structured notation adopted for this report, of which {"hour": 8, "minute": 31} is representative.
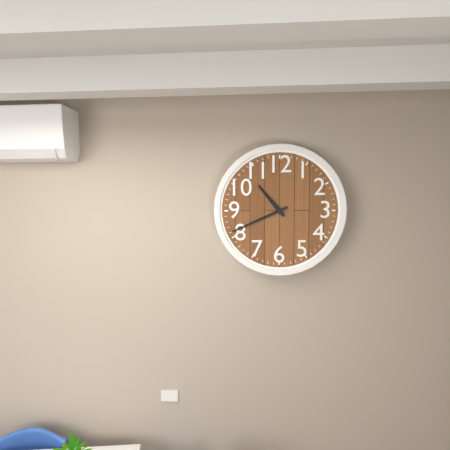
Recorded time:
{"hour": 10, "minute": 41}
